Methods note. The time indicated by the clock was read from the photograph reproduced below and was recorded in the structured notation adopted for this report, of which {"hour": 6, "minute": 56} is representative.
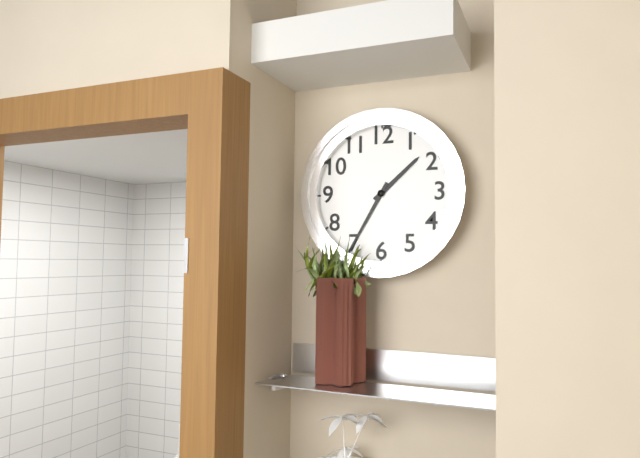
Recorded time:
{"hour": 1, "minute": 35}
